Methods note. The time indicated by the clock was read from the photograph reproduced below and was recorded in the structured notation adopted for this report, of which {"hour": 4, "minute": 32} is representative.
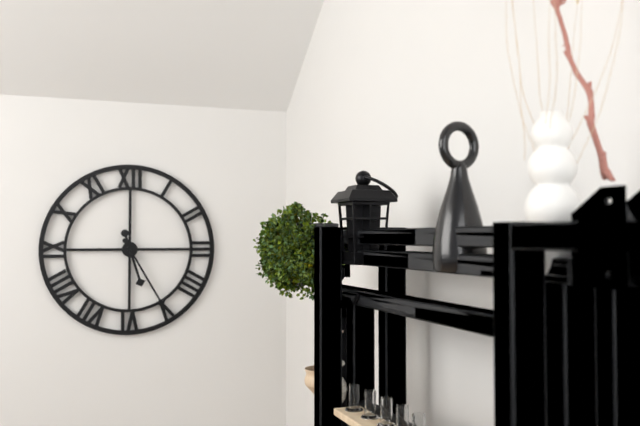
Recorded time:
{"hour": 5, "minute": 25}
